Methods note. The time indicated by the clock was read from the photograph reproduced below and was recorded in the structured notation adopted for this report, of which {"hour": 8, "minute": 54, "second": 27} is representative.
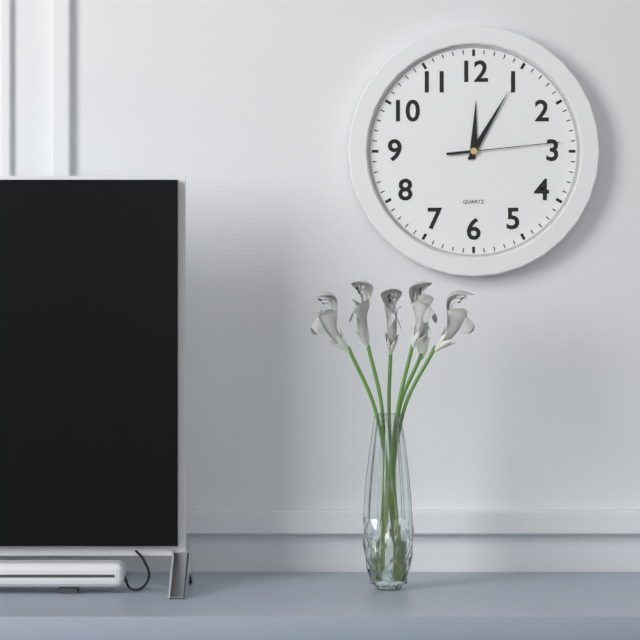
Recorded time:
{"hour": 12, "minute": 5, "second": 14}
